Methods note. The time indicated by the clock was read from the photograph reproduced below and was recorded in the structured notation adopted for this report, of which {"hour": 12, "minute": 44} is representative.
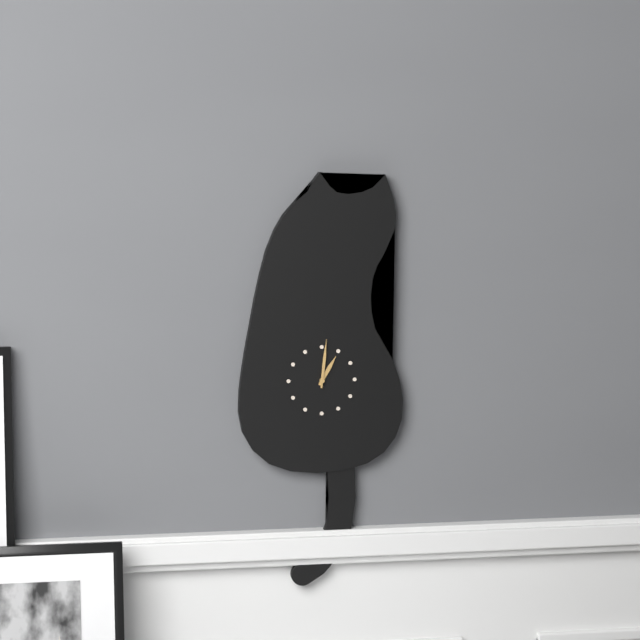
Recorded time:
{"hour": 1, "minute": 1}
